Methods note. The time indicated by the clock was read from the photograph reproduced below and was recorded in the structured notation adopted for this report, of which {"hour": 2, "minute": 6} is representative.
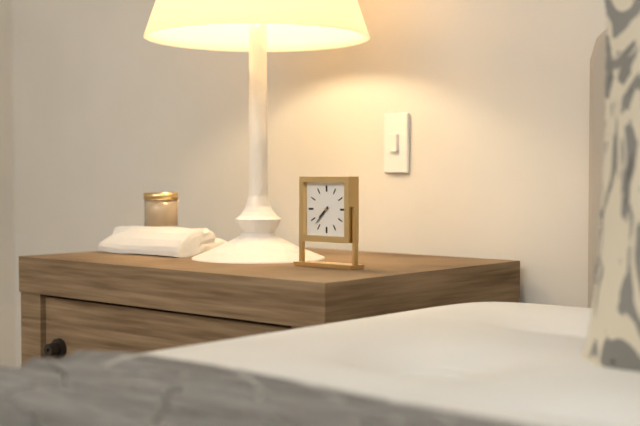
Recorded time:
{"hour": 7, "minute": 37}
